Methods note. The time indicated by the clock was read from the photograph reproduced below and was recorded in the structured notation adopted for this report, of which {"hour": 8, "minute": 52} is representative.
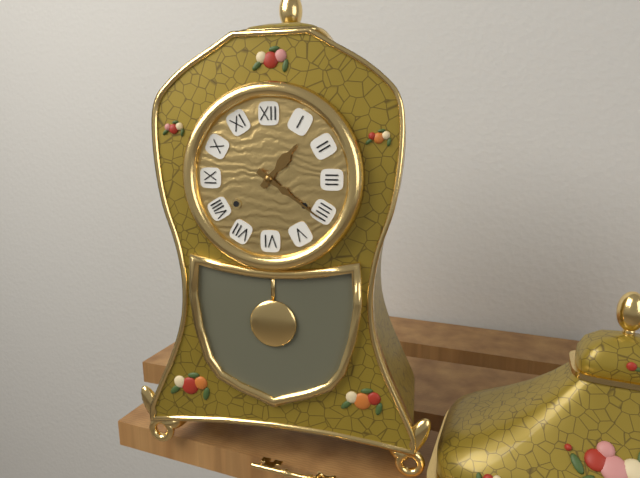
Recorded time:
{"hour": 1, "minute": 21}
